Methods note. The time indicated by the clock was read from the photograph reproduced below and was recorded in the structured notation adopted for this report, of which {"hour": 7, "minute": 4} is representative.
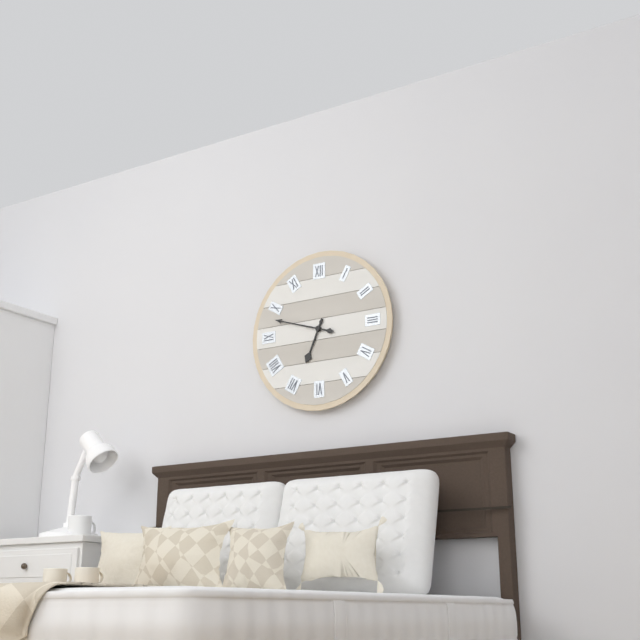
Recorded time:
{"hour": 6, "minute": 48}
